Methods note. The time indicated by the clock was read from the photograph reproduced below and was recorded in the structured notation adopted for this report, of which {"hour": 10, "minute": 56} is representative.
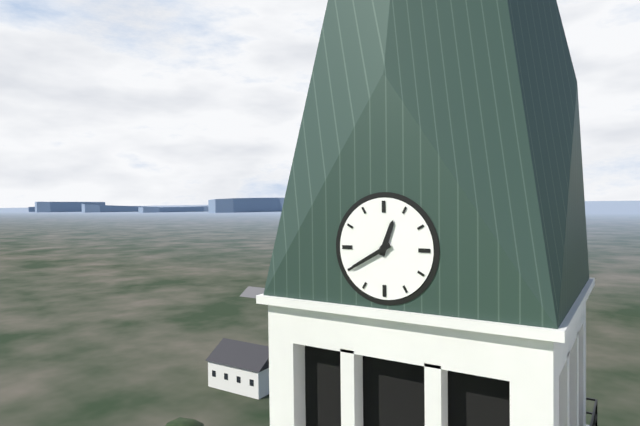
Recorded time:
{"hour": 12, "minute": 40}
